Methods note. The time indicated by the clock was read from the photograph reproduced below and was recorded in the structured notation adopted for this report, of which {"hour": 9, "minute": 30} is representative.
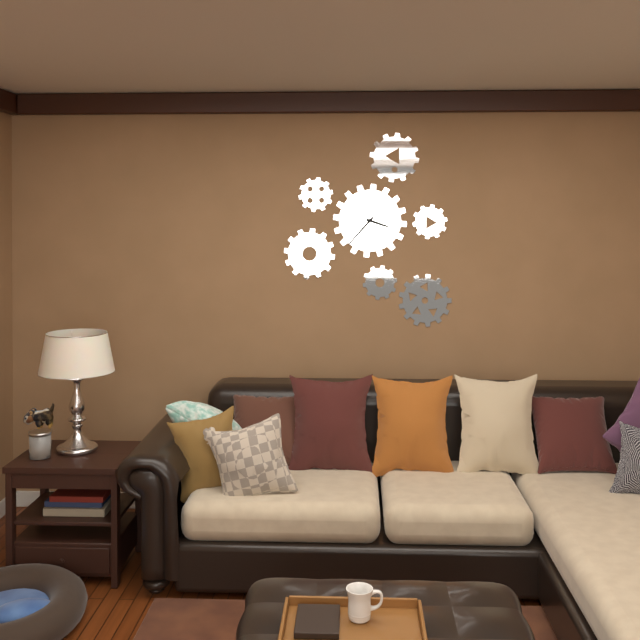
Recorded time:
{"hour": 3, "minute": 37}
